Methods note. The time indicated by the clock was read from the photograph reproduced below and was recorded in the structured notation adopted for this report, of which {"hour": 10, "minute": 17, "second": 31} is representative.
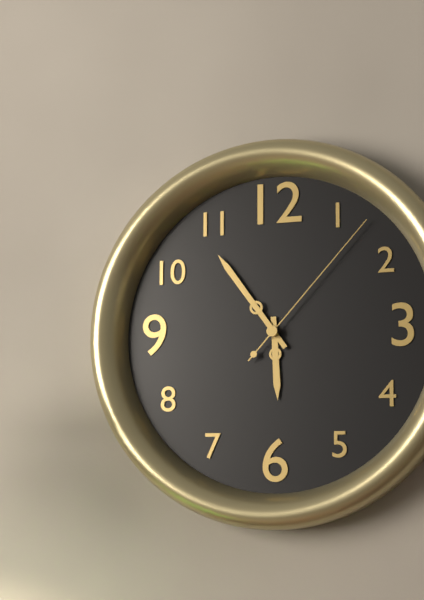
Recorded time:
{"hour": 5, "minute": 54, "second": 7}
